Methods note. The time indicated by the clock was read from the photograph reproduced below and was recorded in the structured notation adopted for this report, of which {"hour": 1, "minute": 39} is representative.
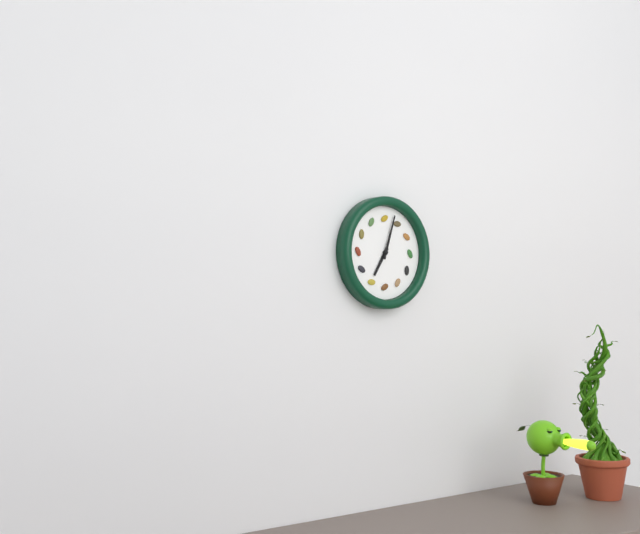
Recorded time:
{"hour": 7, "minute": 3}
